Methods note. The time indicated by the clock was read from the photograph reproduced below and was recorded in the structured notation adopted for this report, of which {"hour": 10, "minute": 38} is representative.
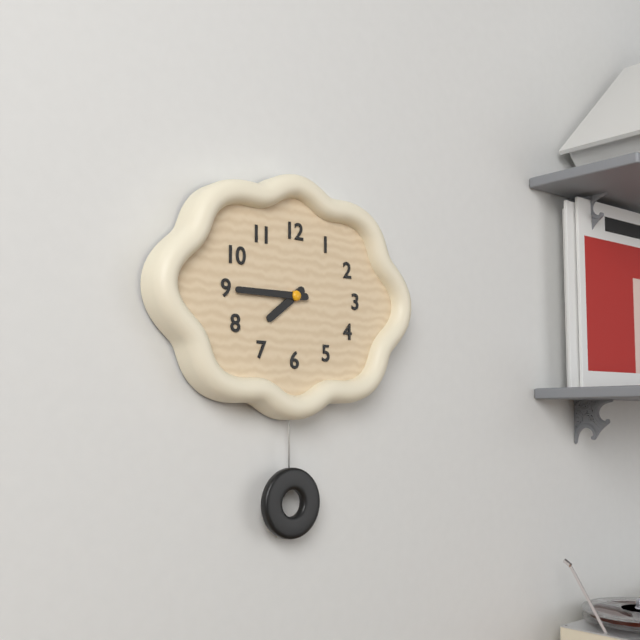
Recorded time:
{"hour": 7, "minute": 45}
